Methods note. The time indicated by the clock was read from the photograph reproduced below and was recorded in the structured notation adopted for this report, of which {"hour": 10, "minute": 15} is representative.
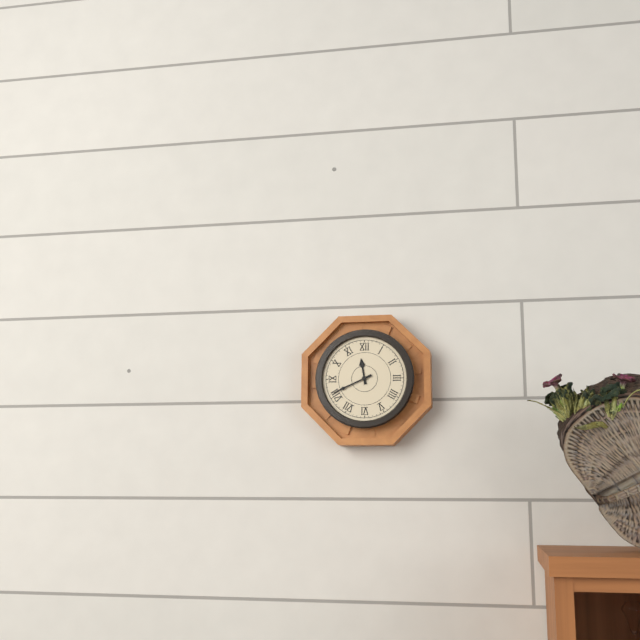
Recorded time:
{"hour": 11, "minute": 41}
